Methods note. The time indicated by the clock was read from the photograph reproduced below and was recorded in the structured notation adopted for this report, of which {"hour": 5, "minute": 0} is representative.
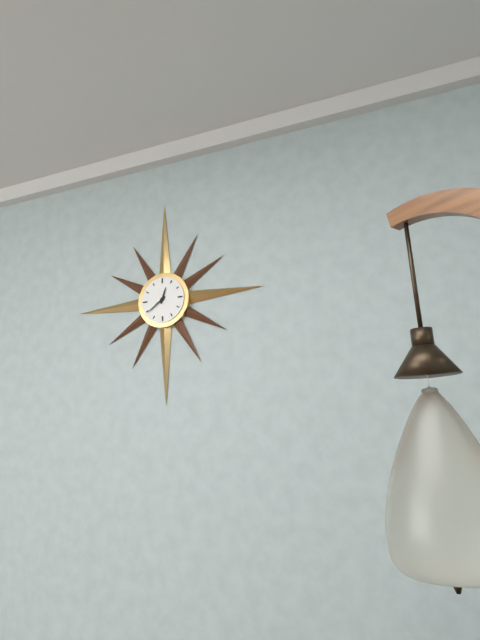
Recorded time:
{"hour": 12, "minute": 39}
